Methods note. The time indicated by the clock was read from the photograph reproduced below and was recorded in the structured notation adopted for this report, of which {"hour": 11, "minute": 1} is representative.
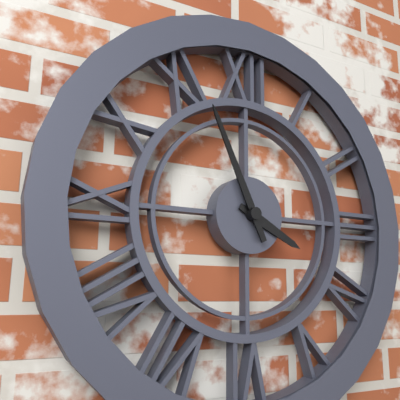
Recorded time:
{"hour": 3, "minute": 56}
